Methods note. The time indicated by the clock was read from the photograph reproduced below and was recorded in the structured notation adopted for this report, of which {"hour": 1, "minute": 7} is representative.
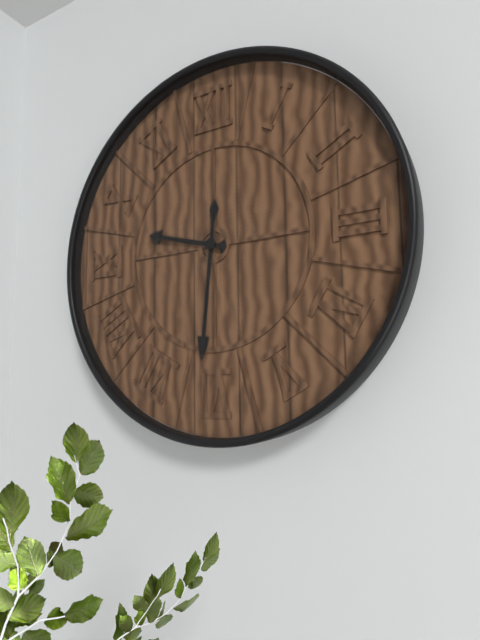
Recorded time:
{"hour": 9, "minute": 31}
